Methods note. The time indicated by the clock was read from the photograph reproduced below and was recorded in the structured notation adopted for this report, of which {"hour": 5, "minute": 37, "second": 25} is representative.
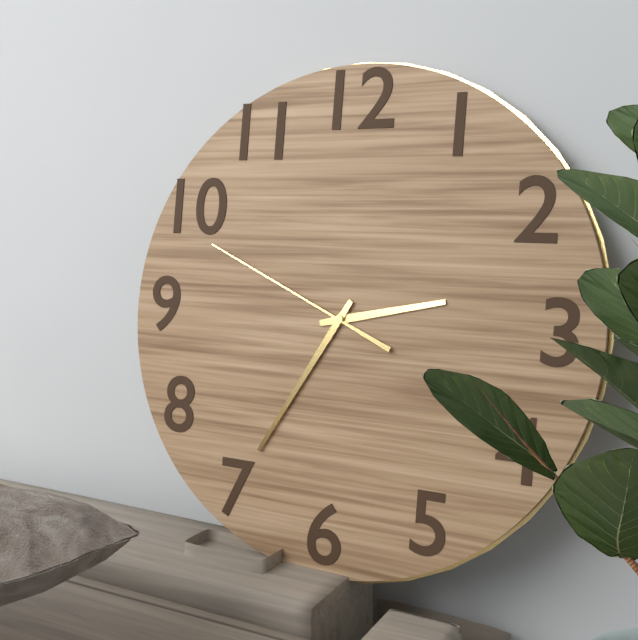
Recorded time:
{"hour": 2, "minute": 35, "second": 49}
